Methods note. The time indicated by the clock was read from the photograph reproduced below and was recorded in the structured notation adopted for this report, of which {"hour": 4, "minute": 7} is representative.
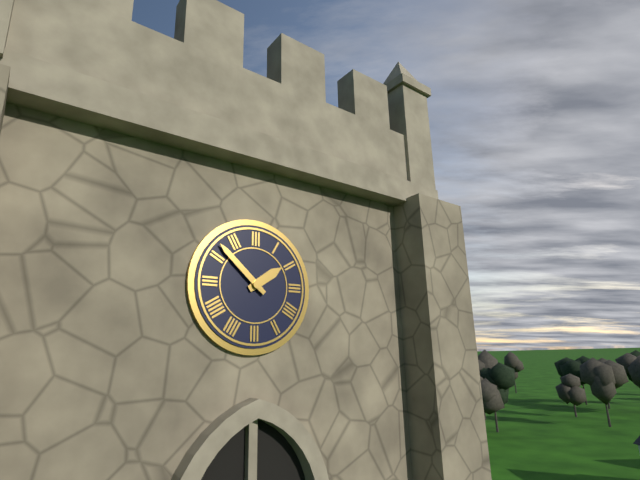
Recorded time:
{"hour": 1, "minute": 52}
